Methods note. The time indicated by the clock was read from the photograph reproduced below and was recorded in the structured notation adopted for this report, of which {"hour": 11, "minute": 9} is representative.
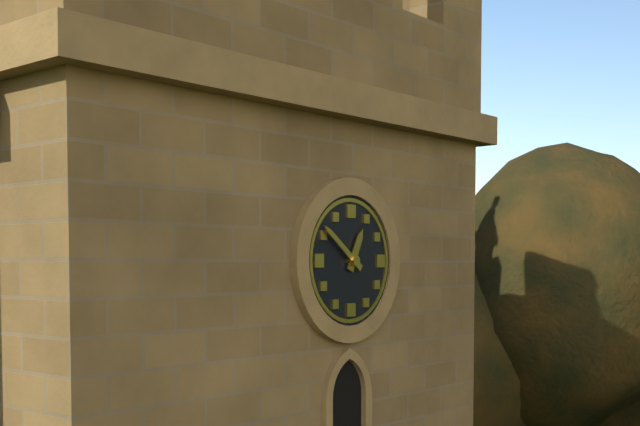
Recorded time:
{"hour": 12, "minute": 51}
